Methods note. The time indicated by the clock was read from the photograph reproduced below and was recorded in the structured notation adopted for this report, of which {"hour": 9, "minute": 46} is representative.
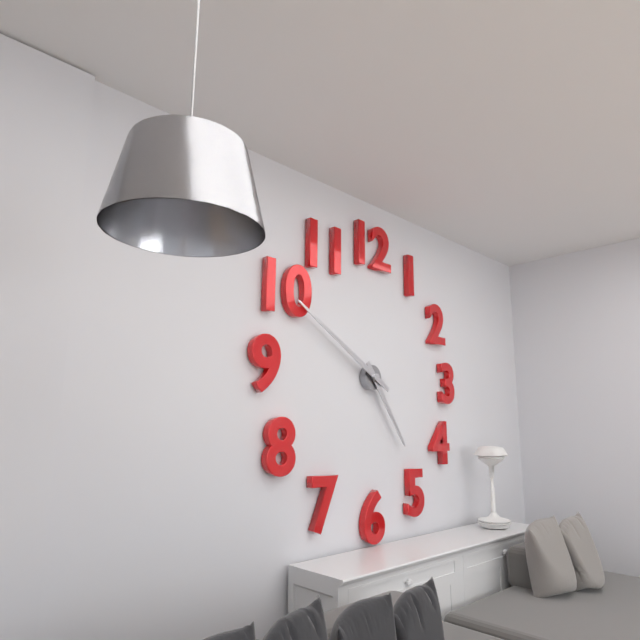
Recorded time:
{"hour": 4, "minute": 50}
